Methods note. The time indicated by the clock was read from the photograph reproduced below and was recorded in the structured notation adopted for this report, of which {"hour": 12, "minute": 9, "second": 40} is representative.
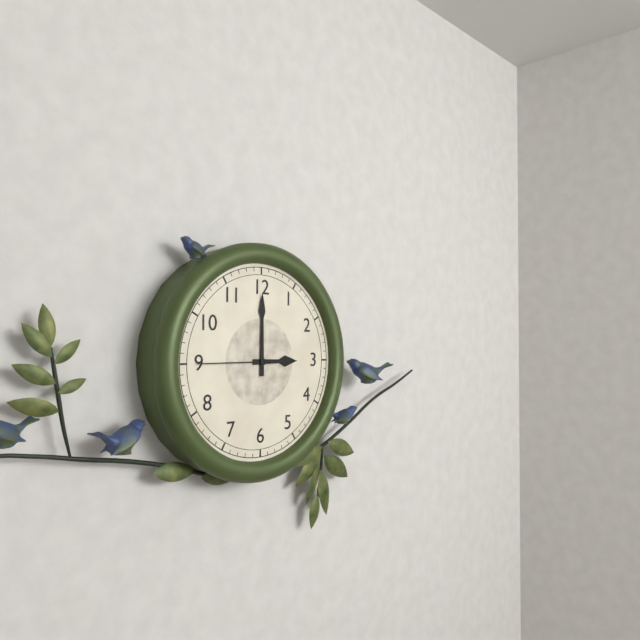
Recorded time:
{"hour": 3, "minute": 0, "second": 45}
